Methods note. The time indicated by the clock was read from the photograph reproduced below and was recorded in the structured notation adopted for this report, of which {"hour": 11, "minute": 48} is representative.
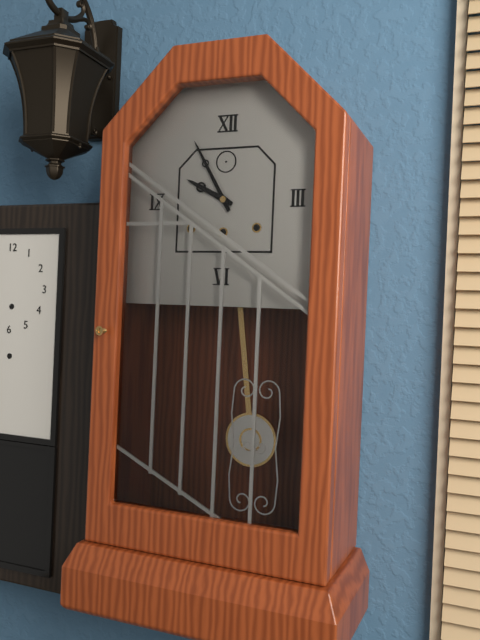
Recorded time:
{"hour": 9, "minute": 55}
